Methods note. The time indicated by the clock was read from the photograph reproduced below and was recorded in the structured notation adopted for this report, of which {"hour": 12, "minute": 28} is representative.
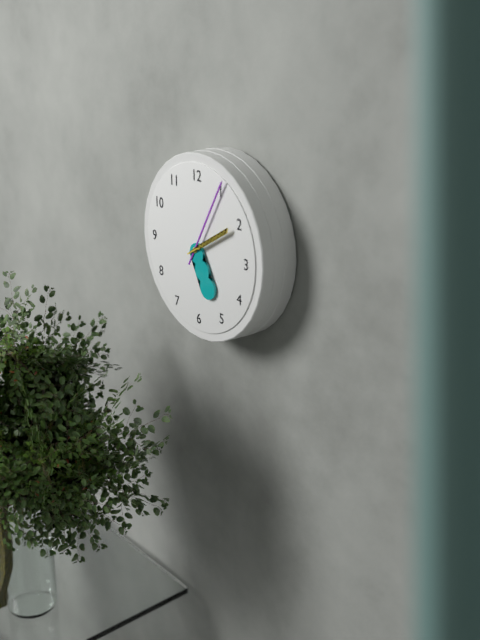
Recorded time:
{"hour": 5, "minute": 5}
